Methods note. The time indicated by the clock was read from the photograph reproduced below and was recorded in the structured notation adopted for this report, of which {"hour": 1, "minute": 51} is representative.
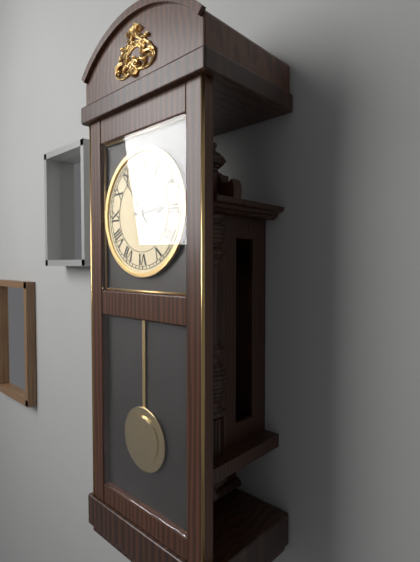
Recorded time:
{"hour": 2, "minute": 54}
